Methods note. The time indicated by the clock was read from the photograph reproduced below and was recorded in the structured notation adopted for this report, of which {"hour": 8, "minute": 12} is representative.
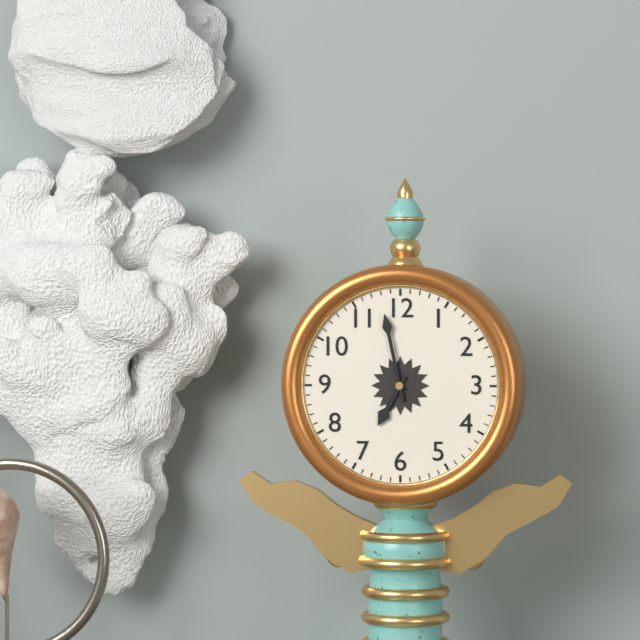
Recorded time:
{"hour": 6, "minute": 58}
